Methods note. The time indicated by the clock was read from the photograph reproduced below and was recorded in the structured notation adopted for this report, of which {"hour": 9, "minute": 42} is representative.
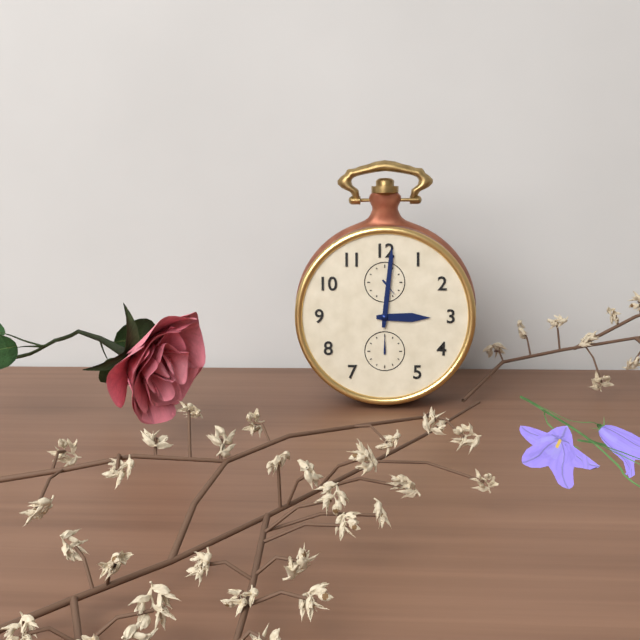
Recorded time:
{"hour": 3, "minute": 1}
